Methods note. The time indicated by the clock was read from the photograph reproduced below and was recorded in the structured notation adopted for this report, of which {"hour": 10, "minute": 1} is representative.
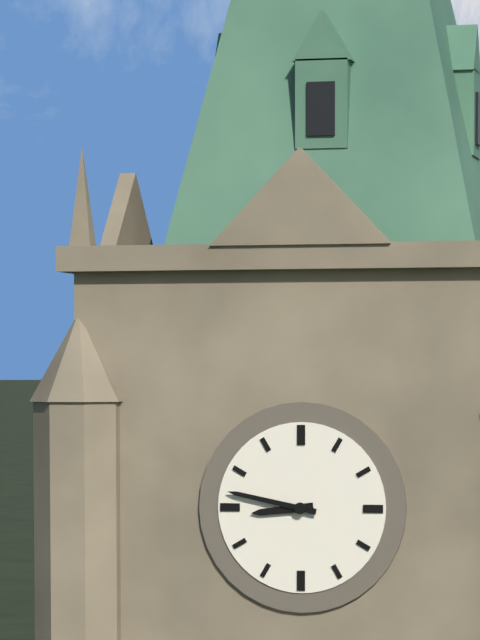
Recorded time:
{"hour": 8, "minute": 47}
